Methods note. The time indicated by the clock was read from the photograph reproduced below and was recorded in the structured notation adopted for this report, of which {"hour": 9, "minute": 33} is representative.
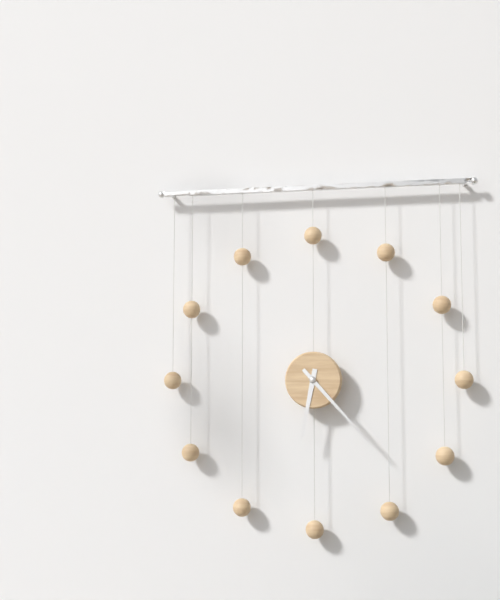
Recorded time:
{"hour": 6, "minute": 23}
